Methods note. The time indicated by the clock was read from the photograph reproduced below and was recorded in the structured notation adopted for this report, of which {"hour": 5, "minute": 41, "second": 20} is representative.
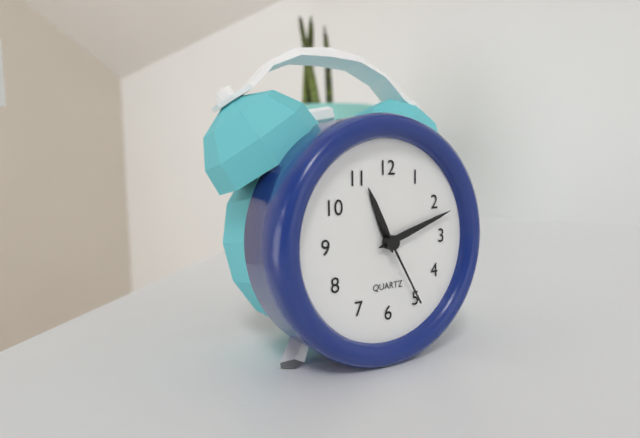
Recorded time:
{"hour": 11, "minute": 12, "second": 25}
